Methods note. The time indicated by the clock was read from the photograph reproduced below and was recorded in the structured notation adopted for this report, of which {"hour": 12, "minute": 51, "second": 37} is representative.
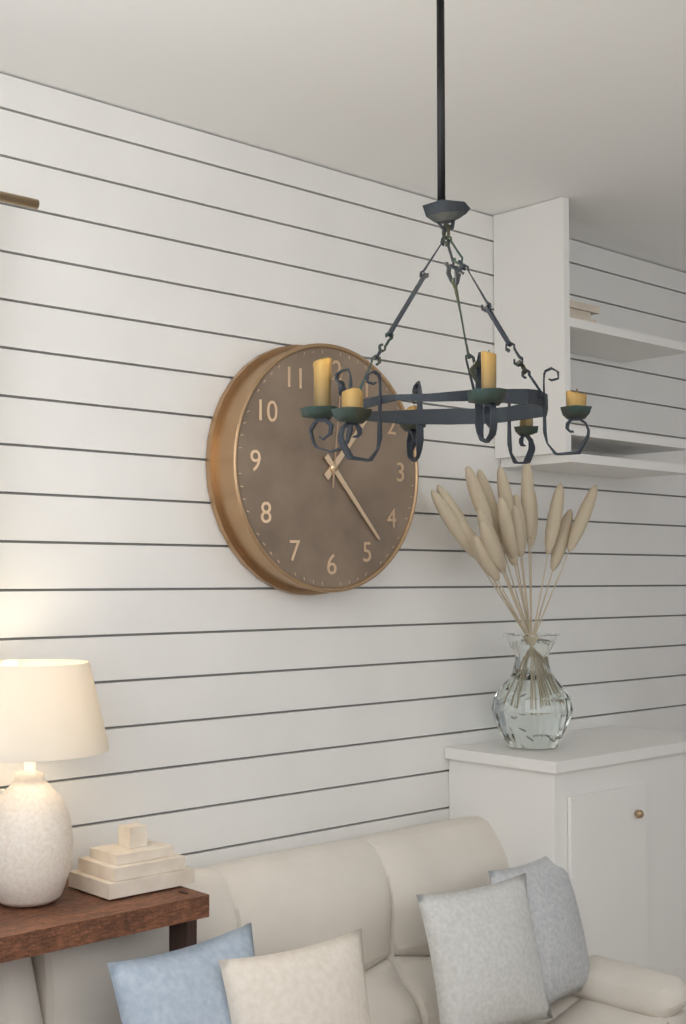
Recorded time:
{"hour": 1, "minute": 23, "second": 1}
